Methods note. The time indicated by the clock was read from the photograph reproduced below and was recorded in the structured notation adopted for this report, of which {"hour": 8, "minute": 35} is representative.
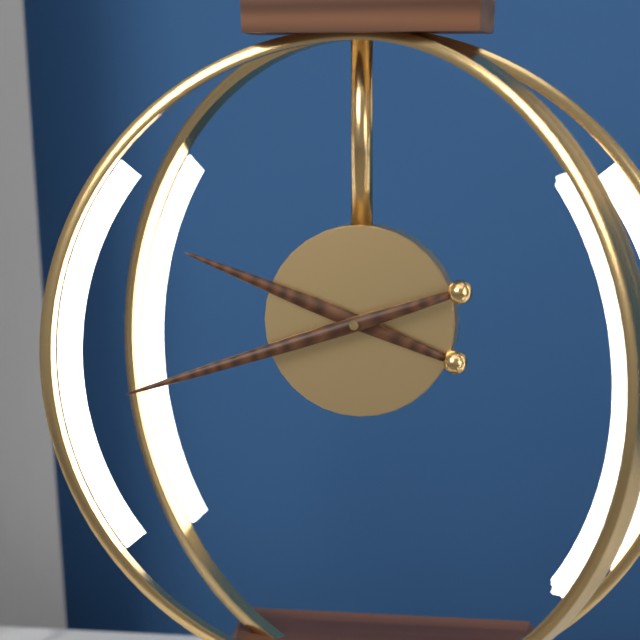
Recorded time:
{"hour": 9, "minute": 42}
